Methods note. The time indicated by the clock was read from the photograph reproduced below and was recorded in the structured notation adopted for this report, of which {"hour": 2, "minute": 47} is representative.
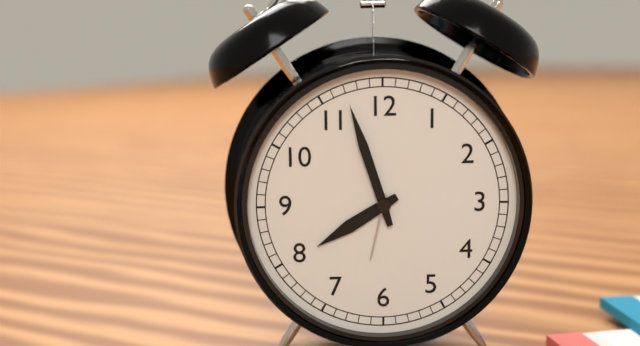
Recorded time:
{"hour": 7, "minute": 57}
